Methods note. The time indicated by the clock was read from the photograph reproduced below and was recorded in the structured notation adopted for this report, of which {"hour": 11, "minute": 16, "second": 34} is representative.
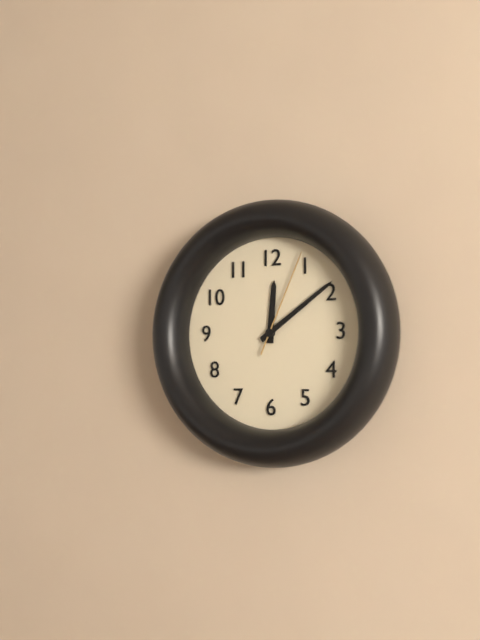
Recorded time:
{"hour": 12, "minute": 9, "second": 4}
